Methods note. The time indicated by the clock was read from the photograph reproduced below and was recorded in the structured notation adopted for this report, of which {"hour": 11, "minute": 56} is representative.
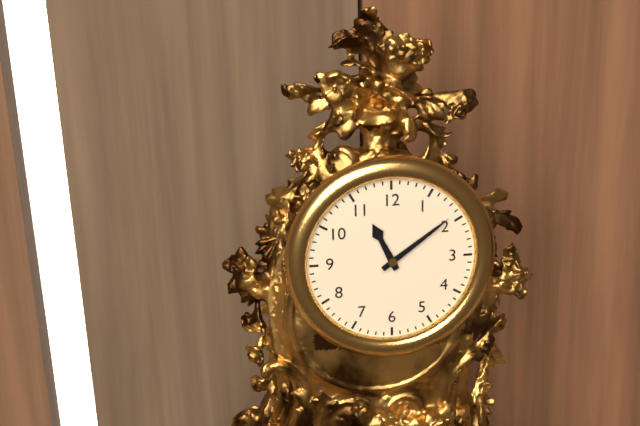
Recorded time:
{"hour": 11, "minute": 9}
